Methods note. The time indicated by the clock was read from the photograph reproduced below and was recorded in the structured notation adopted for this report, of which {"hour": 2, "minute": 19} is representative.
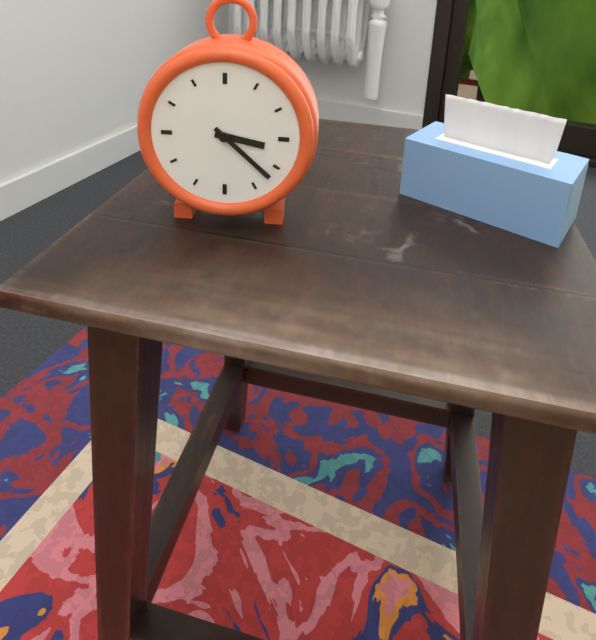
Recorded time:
{"hour": 3, "minute": 22}
